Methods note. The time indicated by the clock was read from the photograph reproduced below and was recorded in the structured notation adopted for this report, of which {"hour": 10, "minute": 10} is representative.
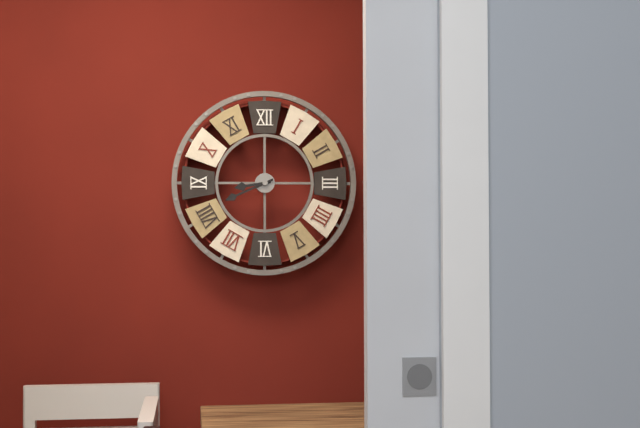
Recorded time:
{"hour": 8, "minute": 41}
